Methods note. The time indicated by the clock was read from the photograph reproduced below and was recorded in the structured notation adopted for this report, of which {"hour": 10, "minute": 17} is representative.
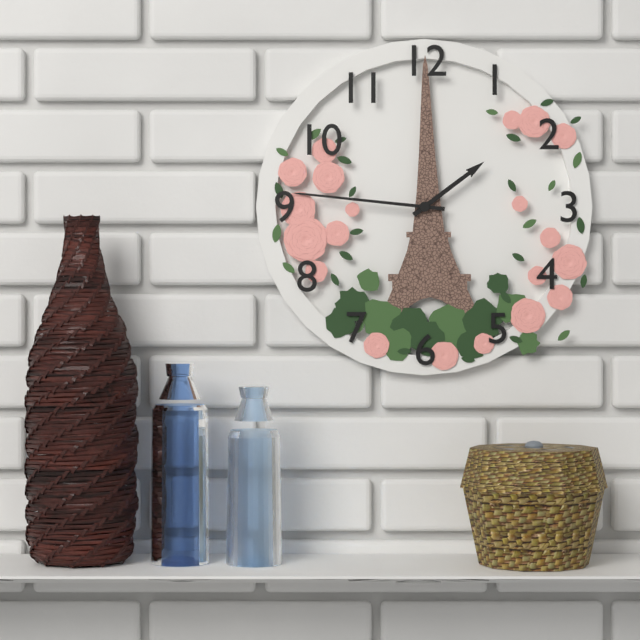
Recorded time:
{"hour": 1, "minute": 46}
